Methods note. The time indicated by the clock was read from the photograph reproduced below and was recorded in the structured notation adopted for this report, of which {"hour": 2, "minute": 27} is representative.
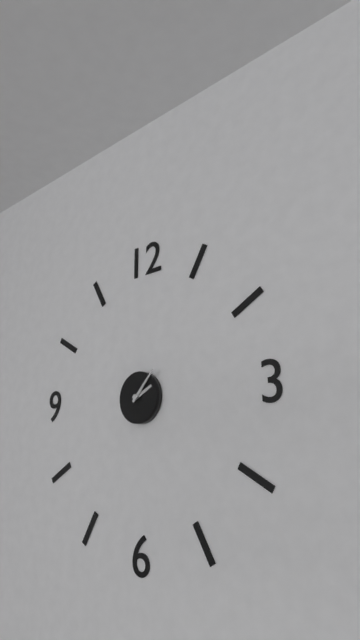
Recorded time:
{"hour": 2, "minute": 7}
